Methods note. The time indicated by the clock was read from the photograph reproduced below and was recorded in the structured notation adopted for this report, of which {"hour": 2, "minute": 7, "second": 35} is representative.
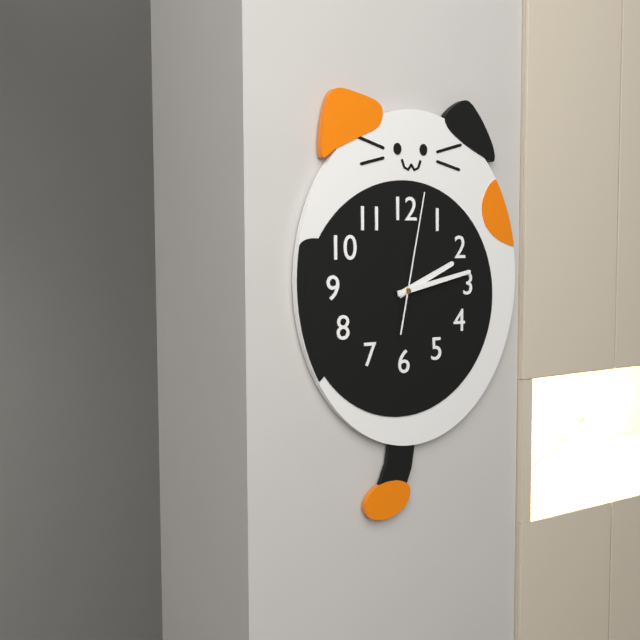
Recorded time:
{"hour": 2, "minute": 13, "second": 2}
